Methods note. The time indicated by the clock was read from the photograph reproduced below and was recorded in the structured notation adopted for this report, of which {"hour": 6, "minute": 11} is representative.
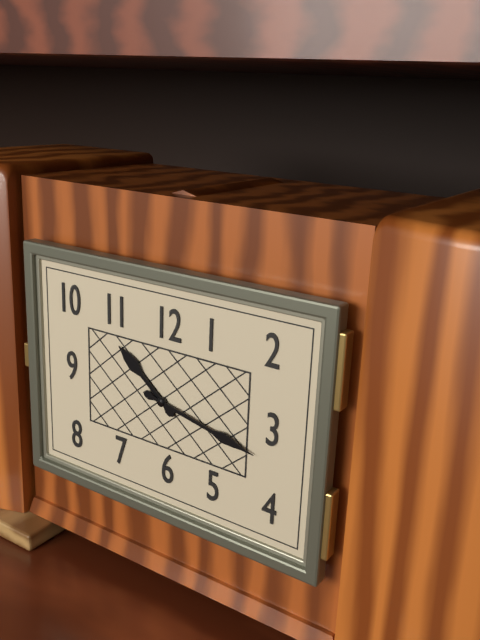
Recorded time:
{"hour": 10, "minute": 17}
